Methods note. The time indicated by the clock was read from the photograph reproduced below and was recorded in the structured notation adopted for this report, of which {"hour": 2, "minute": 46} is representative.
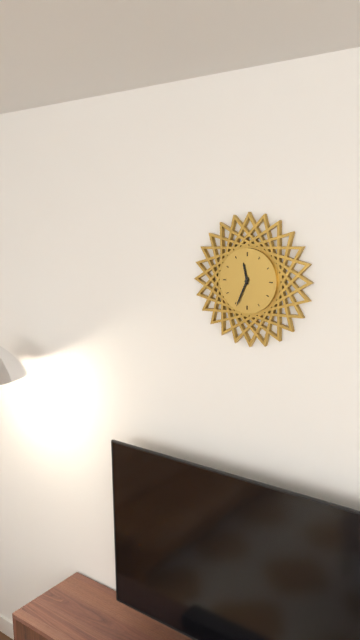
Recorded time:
{"hour": 11, "minute": 34}
